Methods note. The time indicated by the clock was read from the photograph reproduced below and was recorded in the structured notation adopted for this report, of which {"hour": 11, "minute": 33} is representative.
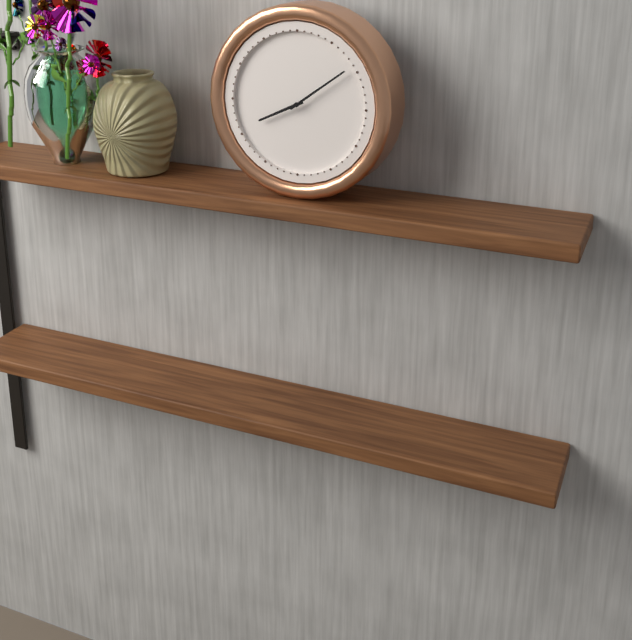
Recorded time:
{"hour": 8, "minute": 9}
